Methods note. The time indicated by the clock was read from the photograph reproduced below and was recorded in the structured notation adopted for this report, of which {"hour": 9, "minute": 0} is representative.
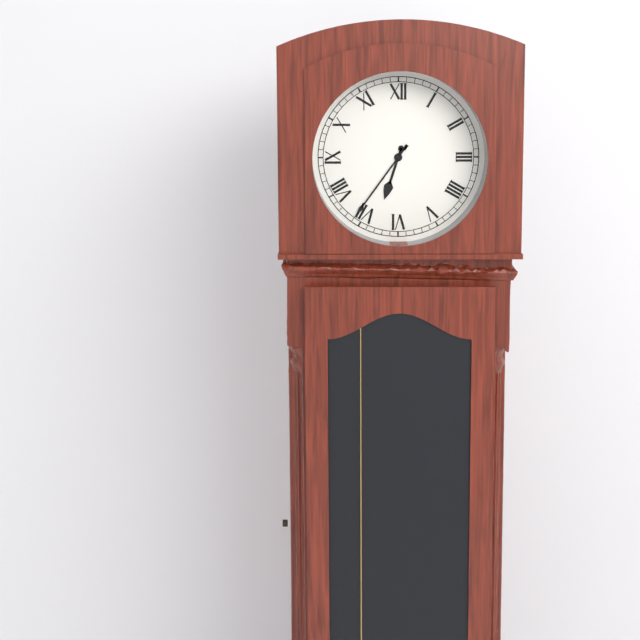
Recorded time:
{"hour": 6, "minute": 36}
